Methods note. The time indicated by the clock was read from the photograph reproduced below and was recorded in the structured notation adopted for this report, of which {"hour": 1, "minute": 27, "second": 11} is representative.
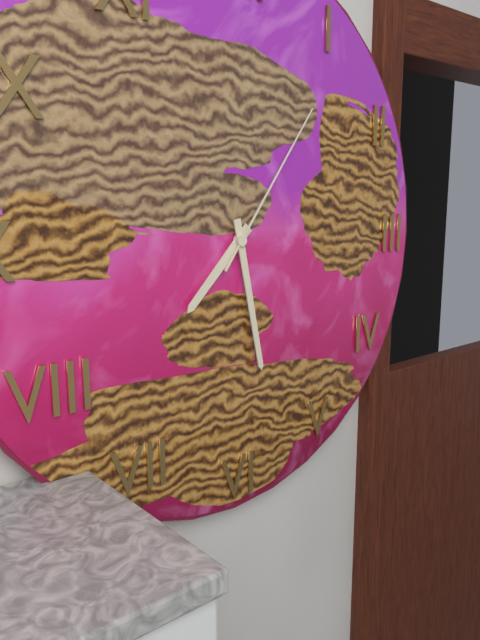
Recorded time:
{"hour": 7, "minute": 28, "second": 6}
